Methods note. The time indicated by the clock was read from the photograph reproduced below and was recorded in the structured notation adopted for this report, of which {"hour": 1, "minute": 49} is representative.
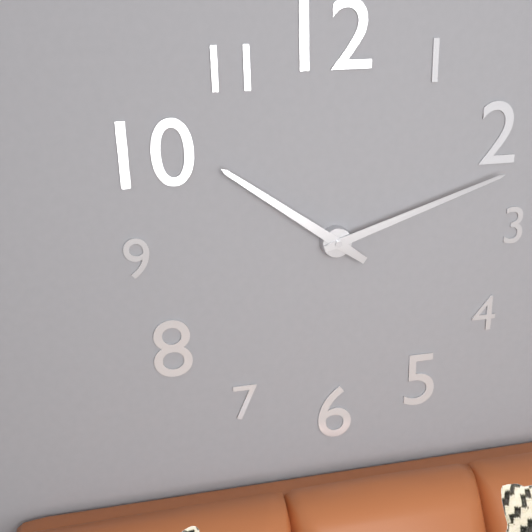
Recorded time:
{"hour": 10, "minute": 12}
